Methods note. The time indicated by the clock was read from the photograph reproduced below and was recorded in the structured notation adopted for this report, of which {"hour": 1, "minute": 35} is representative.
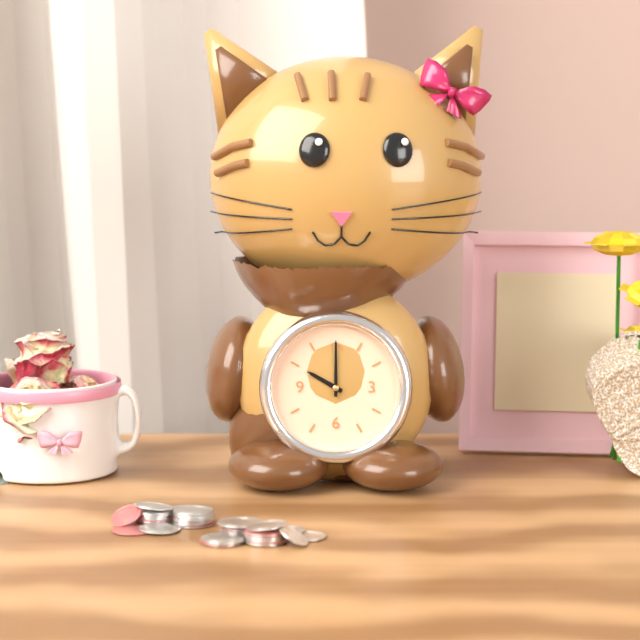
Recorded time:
{"hour": 10, "minute": 0}
